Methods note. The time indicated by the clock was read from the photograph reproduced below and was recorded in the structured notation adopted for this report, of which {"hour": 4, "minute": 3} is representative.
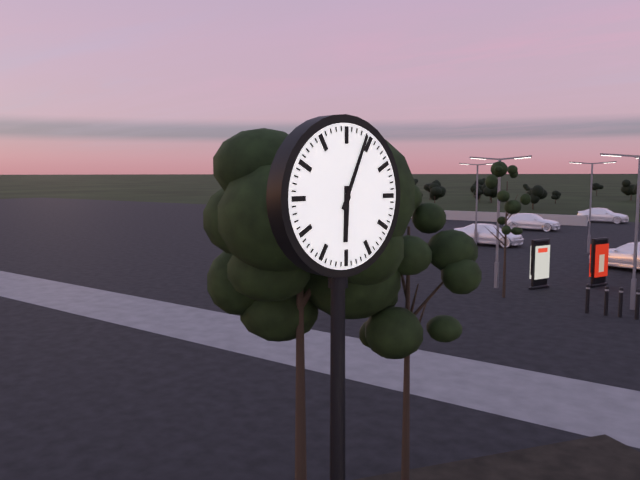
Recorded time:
{"hour": 6, "minute": 4}
